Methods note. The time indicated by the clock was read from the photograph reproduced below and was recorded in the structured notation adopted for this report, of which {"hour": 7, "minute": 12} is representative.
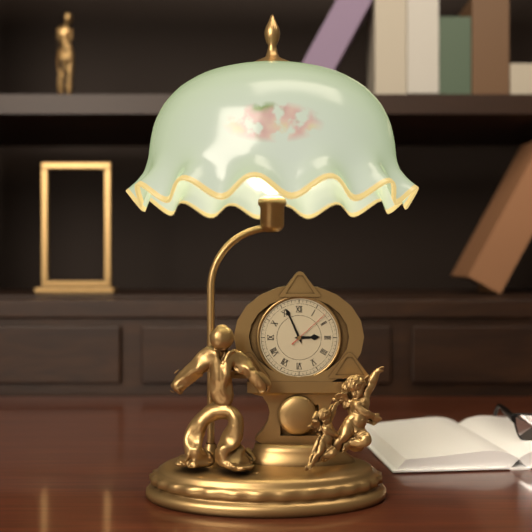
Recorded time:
{"hour": 2, "minute": 56}
